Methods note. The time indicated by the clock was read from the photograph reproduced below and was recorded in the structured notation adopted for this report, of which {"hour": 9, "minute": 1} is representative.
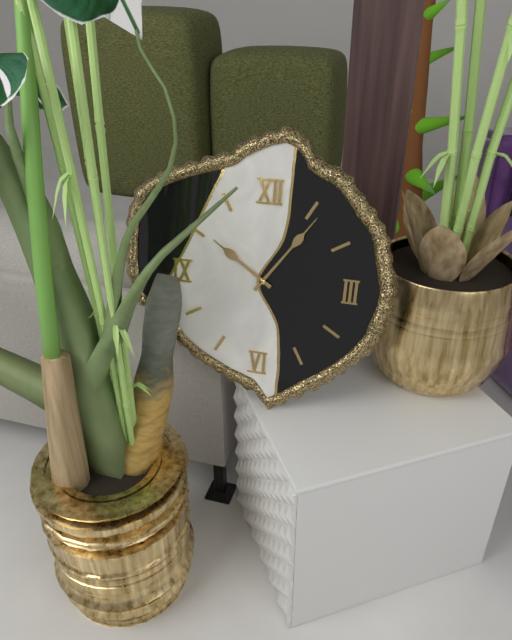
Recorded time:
{"hour": 10, "minute": 6}
